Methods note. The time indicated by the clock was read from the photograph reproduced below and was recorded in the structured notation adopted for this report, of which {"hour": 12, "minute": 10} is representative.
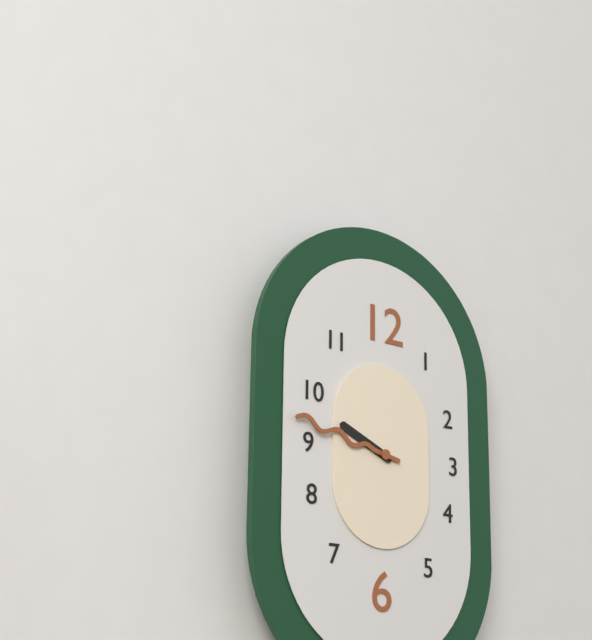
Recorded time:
{"hour": 9, "minute": 47}
